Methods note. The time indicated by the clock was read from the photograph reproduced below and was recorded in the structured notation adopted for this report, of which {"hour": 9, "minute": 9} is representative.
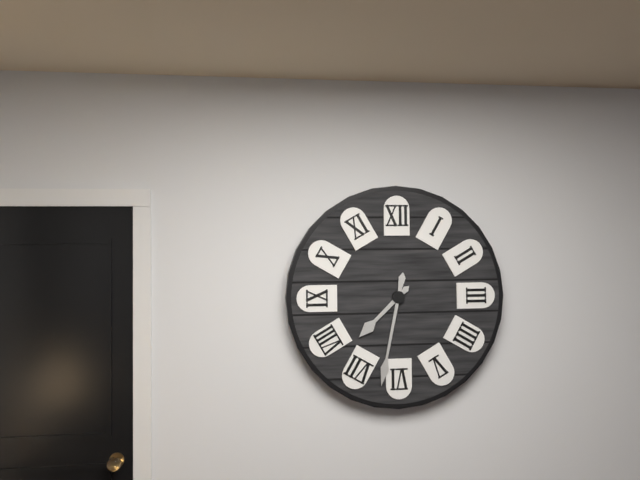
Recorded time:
{"hour": 7, "minute": 32}
